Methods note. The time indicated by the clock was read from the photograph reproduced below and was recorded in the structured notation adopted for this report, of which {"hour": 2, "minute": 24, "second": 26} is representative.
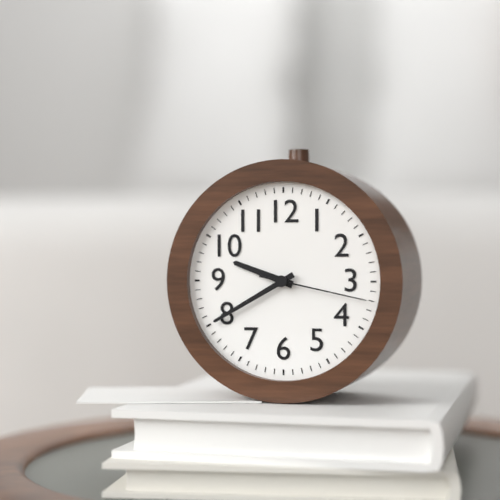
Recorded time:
{"hour": 9, "minute": 40, "second": 17}
